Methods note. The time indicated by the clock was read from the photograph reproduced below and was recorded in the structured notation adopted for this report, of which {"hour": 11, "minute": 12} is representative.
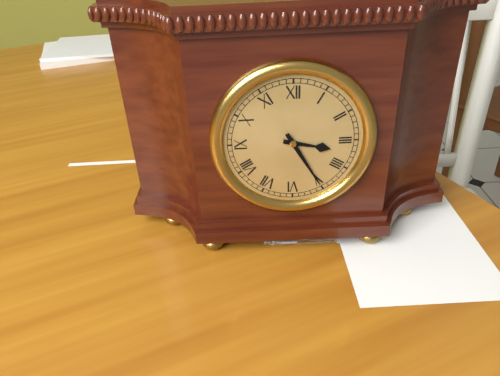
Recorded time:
{"hour": 3, "minute": 25}
